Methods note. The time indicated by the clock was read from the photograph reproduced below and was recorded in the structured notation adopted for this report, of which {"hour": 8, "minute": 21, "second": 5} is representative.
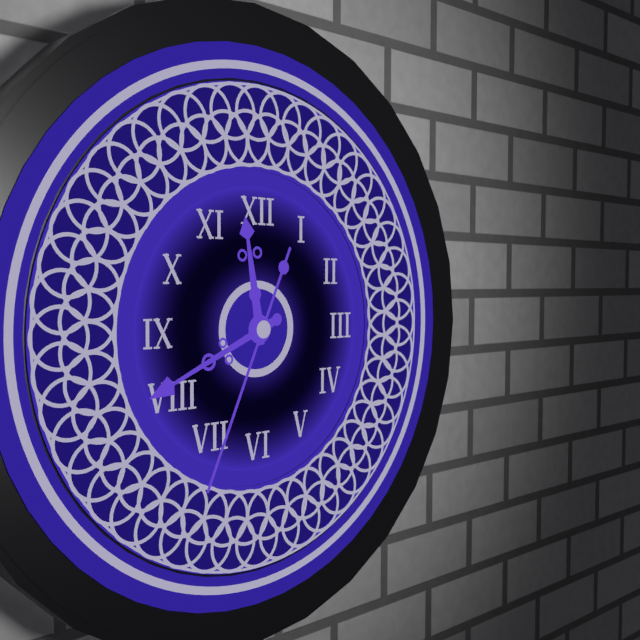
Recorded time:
{"hour": 11, "minute": 41, "second": 34}
